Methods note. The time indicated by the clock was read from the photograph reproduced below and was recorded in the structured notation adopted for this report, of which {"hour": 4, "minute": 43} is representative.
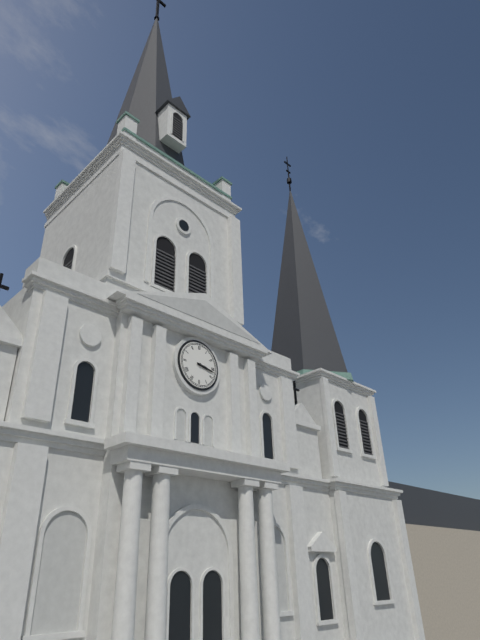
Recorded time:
{"hour": 3, "minute": 17}
